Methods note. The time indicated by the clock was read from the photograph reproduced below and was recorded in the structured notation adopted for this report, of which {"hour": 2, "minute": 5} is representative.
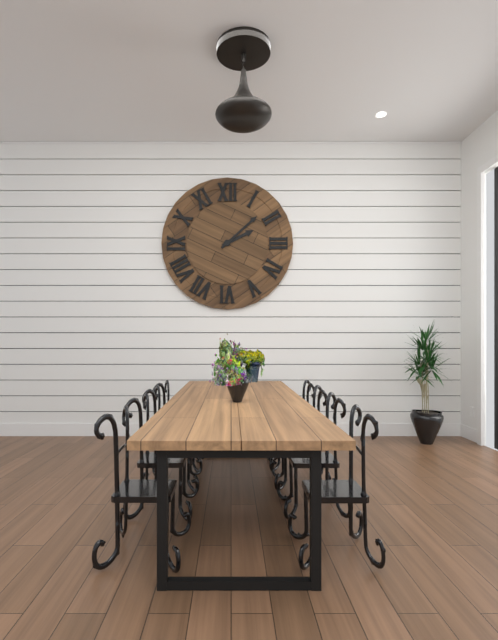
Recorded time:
{"hour": 2, "minute": 8}
